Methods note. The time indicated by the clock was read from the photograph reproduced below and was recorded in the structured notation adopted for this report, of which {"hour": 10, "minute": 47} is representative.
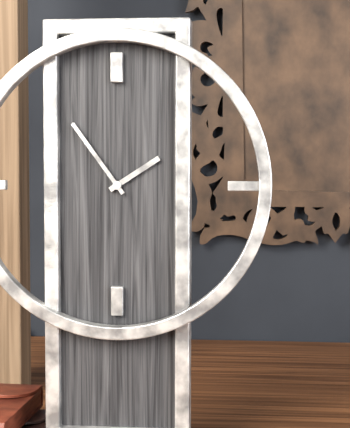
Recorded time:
{"hour": 1, "minute": 54}
